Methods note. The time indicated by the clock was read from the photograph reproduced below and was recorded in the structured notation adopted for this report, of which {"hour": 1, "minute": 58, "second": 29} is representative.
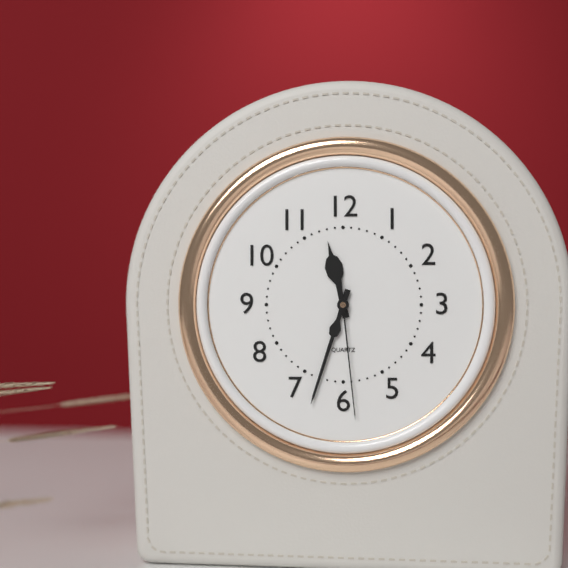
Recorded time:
{"hour": 11, "minute": 33, "second": 29}
